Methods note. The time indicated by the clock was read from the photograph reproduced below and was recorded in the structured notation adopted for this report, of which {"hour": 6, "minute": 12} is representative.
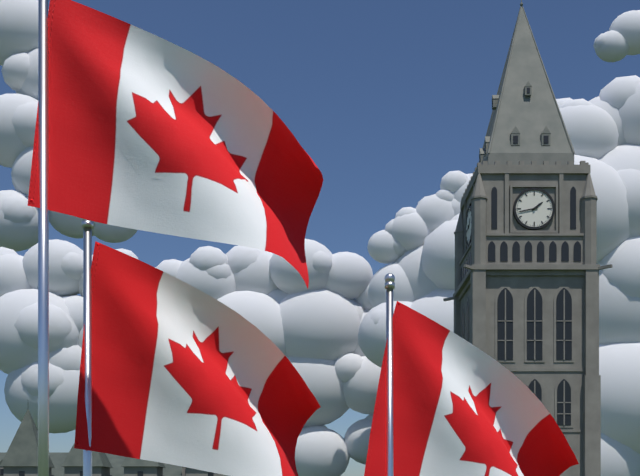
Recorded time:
{"hour": 1, "minute": 43}
